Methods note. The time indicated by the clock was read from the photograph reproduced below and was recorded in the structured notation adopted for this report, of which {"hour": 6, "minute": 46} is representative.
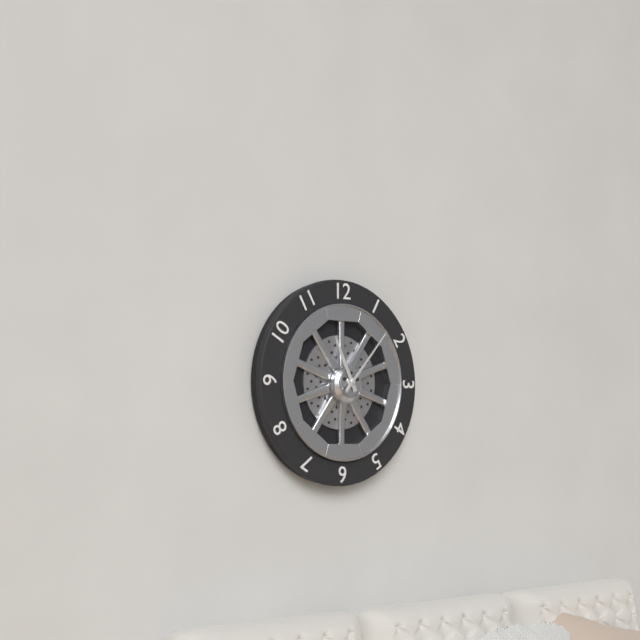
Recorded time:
{"hour": 11, "minute": 7}
